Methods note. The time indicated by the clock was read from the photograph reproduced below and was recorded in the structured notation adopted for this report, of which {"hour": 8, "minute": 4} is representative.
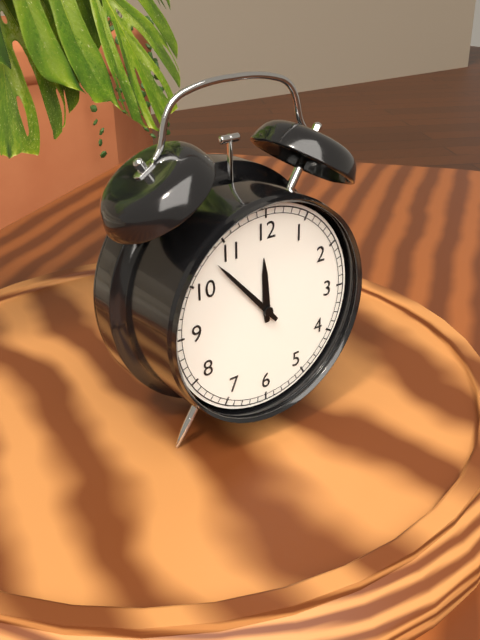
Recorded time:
{"hour": 11, "minute": 53}
